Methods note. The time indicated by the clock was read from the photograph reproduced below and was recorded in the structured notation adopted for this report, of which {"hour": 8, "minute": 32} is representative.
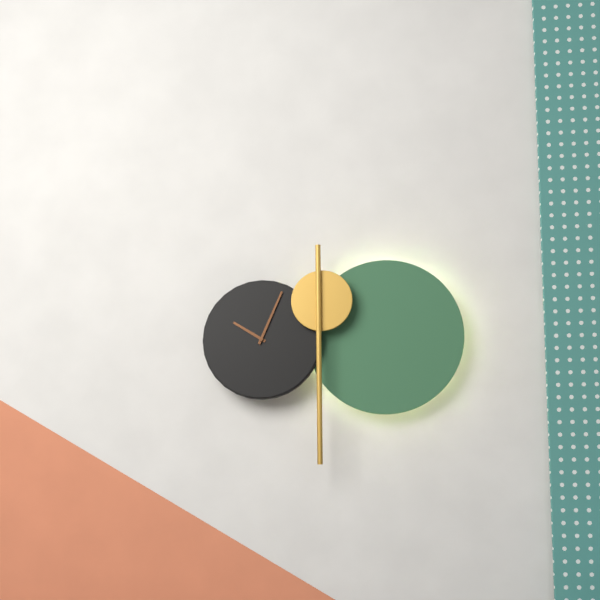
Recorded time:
{"hour": 10, "minute": 4}
